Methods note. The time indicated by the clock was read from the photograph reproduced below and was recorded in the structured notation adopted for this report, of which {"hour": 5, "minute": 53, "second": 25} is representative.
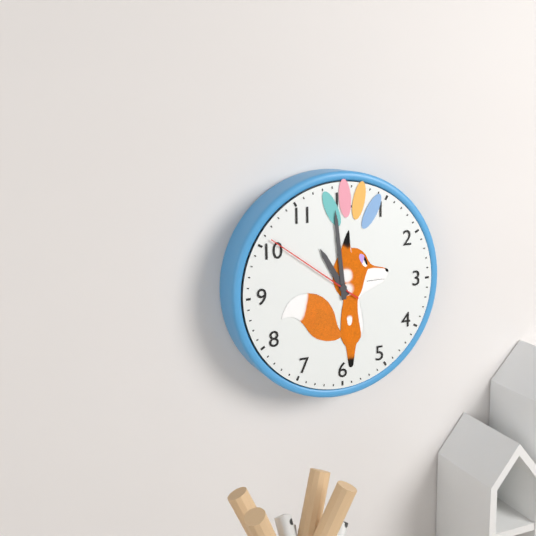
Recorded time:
{"hour": 10, "minute": 59, "second": 51}
